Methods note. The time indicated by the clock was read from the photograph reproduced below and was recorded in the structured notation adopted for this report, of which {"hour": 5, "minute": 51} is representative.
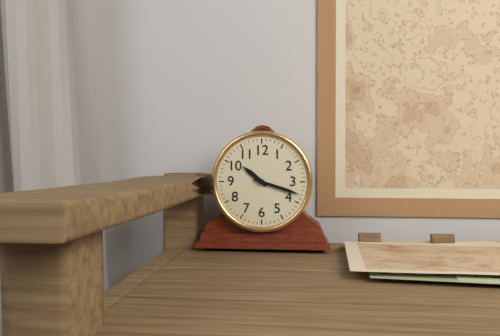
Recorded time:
{"hour": 10, "minute": 18}
